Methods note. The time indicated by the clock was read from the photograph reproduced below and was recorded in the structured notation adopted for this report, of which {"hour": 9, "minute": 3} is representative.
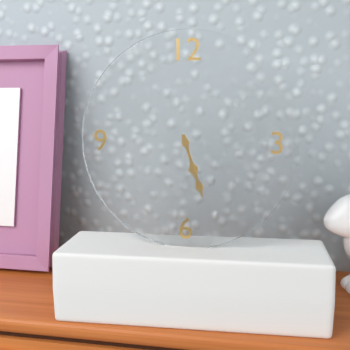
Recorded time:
{"hour": 5, "minute": 27}
